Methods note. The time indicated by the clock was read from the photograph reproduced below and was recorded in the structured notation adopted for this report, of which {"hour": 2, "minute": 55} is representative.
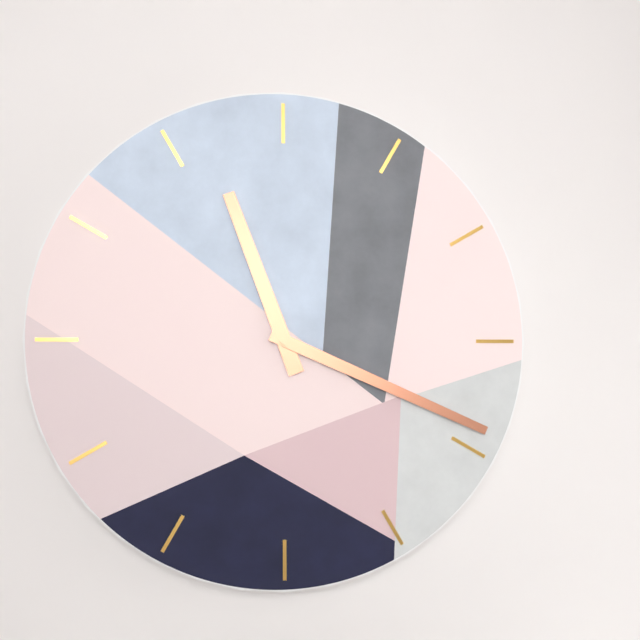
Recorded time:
{"hour": 11, "minute": 19}
